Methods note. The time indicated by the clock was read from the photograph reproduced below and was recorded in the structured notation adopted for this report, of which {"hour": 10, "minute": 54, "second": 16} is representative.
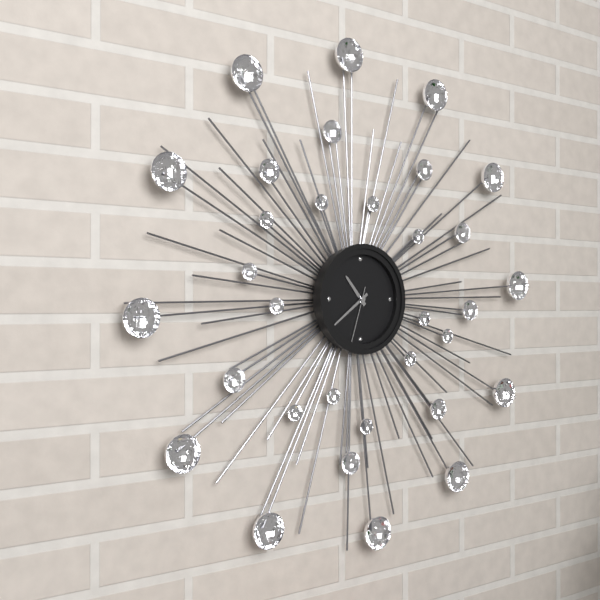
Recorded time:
{"hour": 10, "minute": 39, "second": 33}
